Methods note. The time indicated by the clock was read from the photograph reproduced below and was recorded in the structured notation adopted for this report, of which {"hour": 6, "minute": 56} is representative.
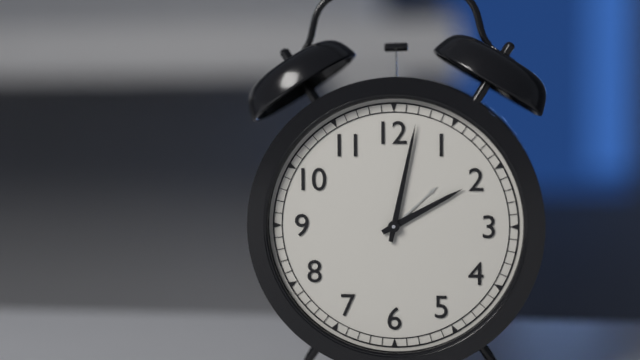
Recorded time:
{"hour": 2, "minute": 2}
